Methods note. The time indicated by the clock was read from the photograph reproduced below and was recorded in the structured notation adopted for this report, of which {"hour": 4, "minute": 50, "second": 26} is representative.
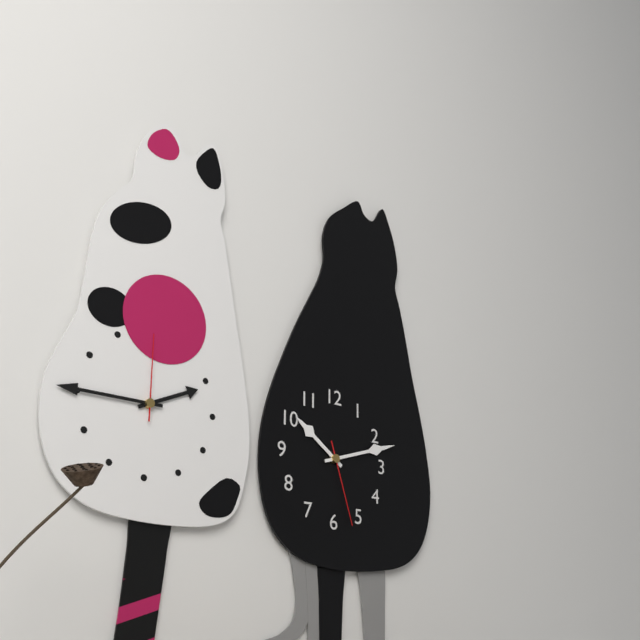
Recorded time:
{"hour": 10, "minute": 12, "second": 27}
